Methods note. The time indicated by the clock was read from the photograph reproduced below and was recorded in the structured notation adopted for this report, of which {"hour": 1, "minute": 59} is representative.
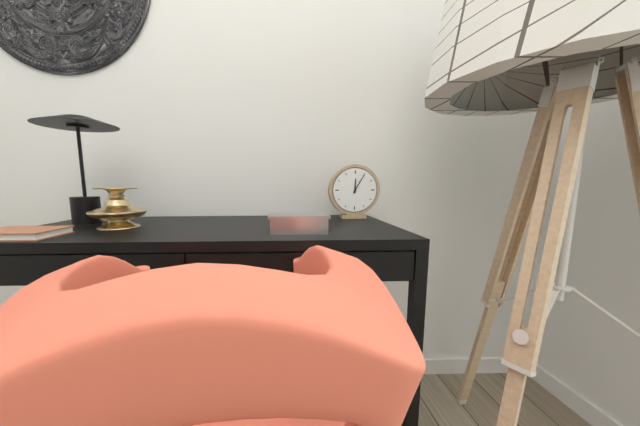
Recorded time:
{"hour": 12, "minute": 5}
